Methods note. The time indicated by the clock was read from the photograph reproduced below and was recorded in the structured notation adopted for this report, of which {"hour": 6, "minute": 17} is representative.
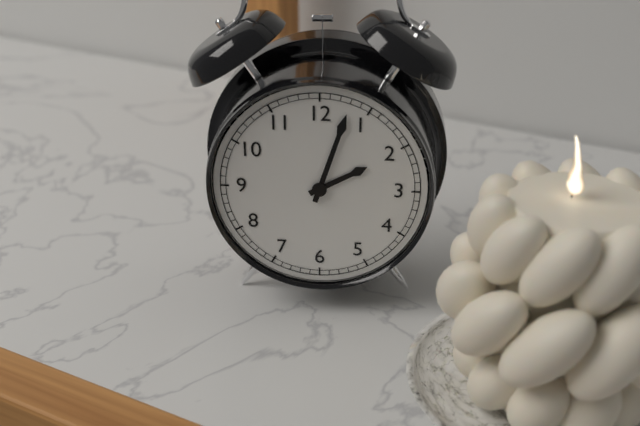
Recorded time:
{"hour": 2, "minute": 3}
